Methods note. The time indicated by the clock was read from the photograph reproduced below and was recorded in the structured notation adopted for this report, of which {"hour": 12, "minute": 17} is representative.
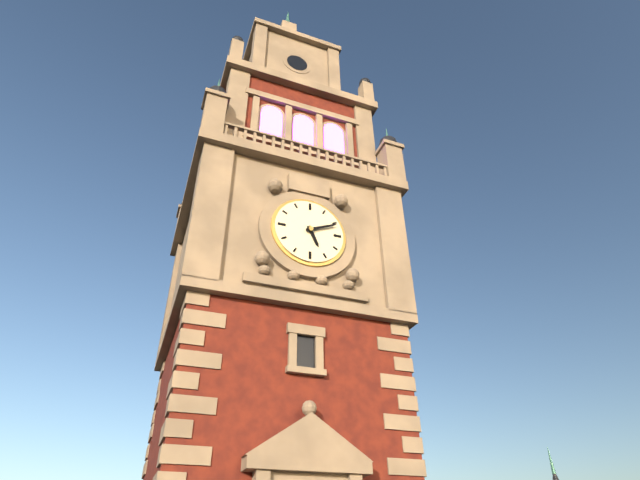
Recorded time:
{"hour": 5, "minute": 11}
